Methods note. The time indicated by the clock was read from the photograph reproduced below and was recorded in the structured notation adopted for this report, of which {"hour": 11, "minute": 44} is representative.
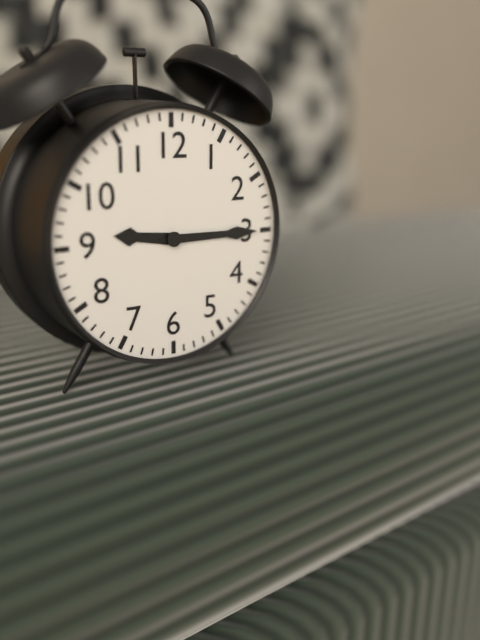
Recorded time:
{"hour": 9, "minute": 15}
